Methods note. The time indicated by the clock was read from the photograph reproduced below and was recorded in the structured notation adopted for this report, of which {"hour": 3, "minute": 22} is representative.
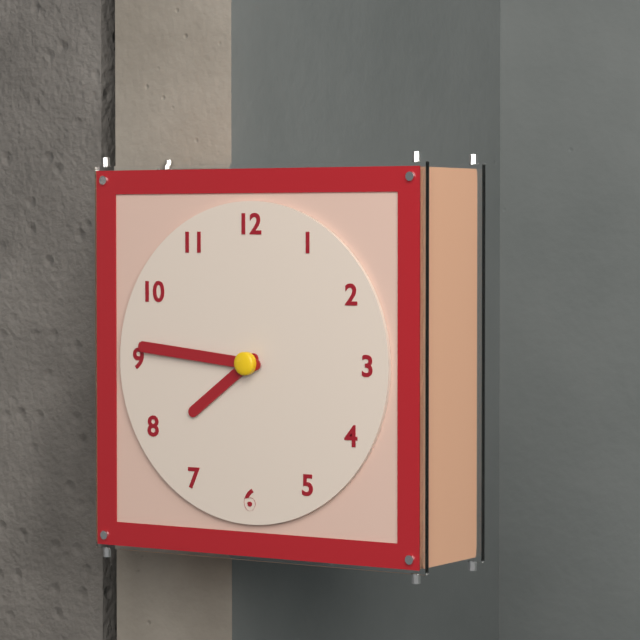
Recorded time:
{"hour": 7, "minute": 46}
